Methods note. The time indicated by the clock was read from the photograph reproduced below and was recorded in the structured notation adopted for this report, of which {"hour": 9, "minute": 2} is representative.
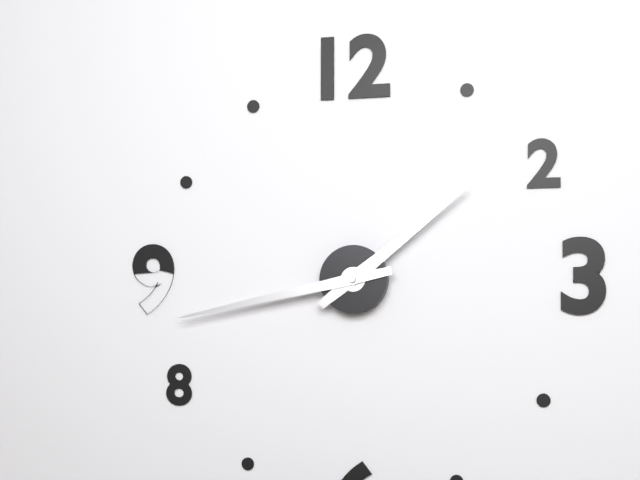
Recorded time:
{"hour": 1, "minute": 43}
